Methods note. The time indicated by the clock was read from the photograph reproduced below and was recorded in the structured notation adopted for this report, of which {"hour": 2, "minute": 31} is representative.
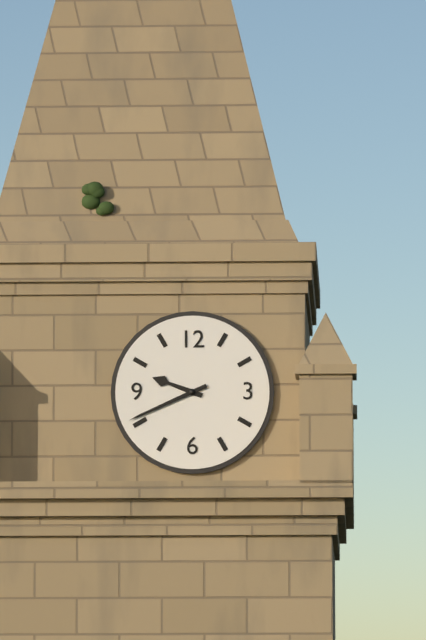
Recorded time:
{"hour": 9, "minute": 41}
